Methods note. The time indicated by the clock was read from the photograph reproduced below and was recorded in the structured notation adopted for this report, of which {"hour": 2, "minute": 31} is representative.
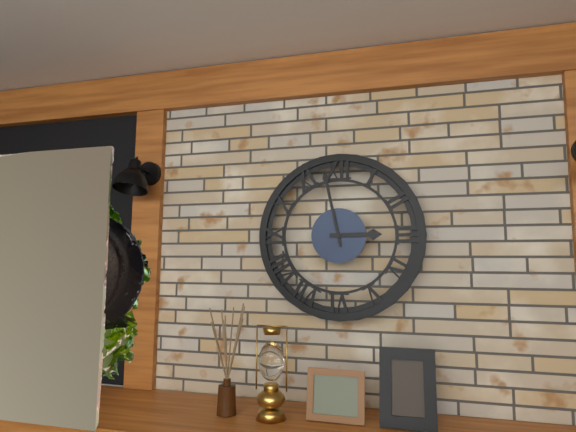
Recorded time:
{"hour": 2, "minute": 58}
